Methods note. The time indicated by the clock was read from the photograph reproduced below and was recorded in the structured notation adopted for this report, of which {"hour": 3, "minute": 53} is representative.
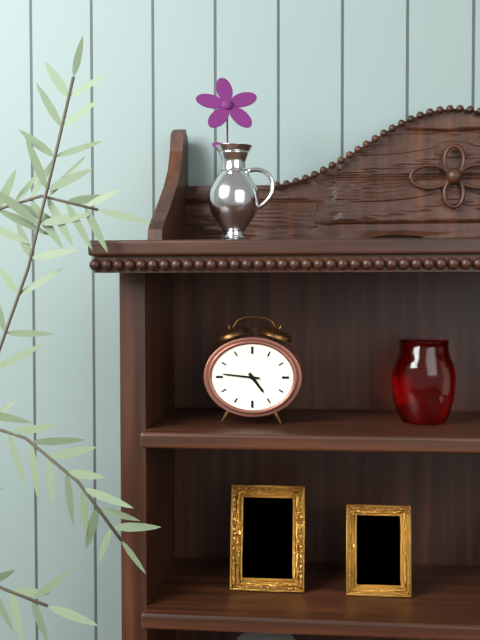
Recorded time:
{"hour": 4, "minute": 46}
